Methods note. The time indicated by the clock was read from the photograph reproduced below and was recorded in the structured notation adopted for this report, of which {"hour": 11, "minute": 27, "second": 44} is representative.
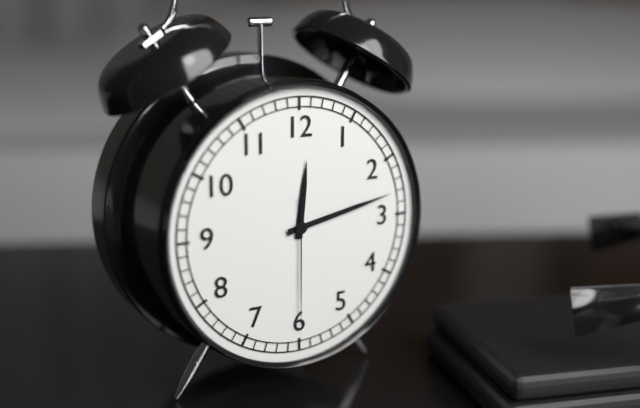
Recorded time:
{"hour": 12, "minute": 13, "second": 30}
